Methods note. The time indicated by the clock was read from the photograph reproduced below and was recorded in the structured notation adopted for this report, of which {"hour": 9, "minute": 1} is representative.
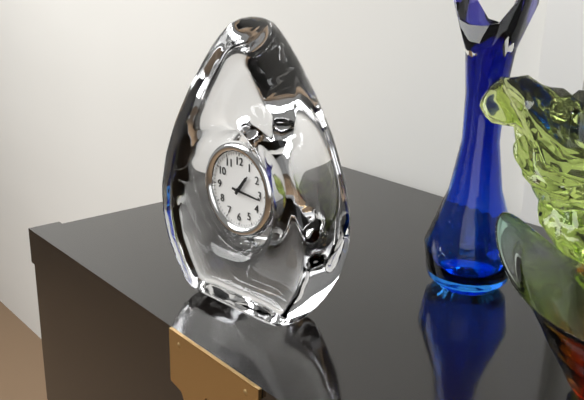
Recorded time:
{"hour": 1, "minute": 16}
